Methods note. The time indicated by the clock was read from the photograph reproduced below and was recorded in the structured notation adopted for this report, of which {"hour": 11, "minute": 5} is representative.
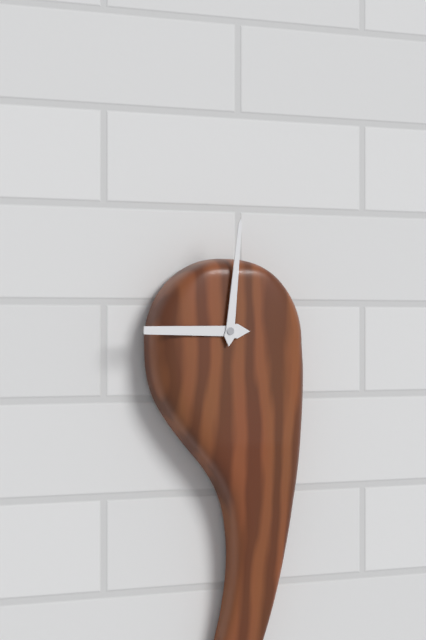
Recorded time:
{"hour": 9, "minute": 1}
